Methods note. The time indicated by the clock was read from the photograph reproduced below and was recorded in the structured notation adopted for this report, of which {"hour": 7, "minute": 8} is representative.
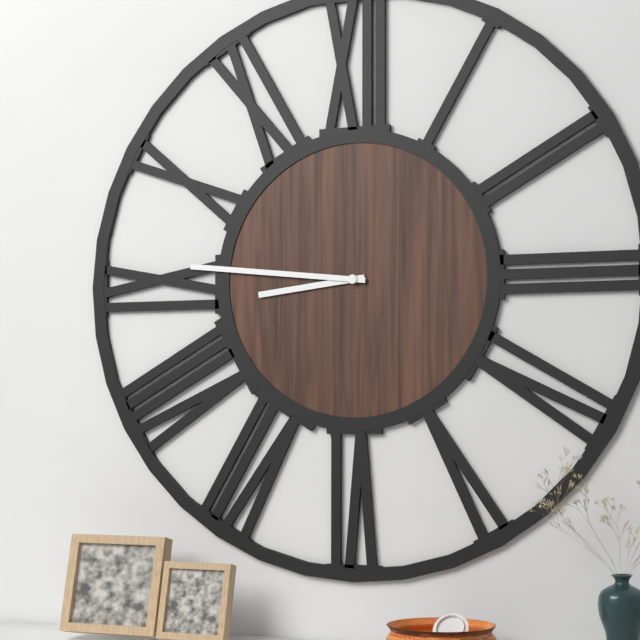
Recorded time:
{"hour": 8, "minute": 46}
